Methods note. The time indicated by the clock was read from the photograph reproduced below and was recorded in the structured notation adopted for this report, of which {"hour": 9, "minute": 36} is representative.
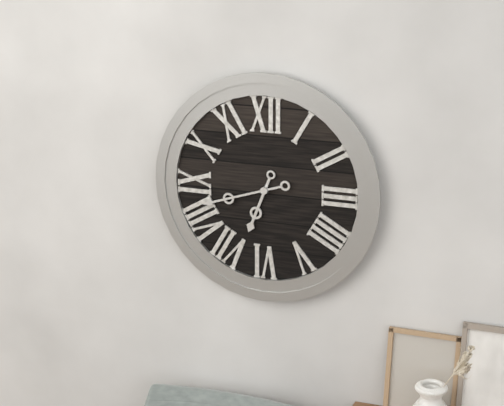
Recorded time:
{"hour": 6, "minute": 42}
